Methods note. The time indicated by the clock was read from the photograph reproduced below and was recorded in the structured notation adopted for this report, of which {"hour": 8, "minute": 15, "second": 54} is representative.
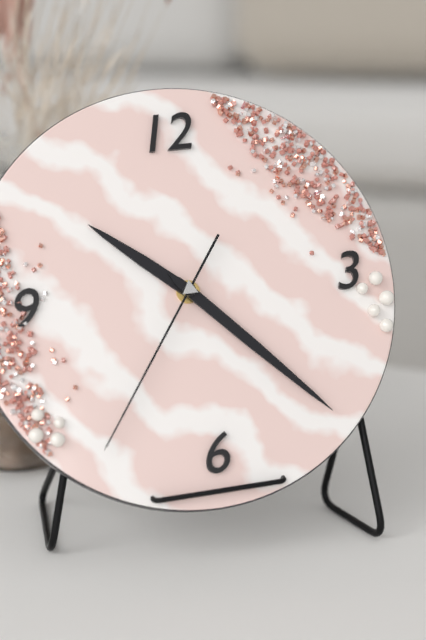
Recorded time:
{"hour": 10, "minute": 23, "second": 36}
